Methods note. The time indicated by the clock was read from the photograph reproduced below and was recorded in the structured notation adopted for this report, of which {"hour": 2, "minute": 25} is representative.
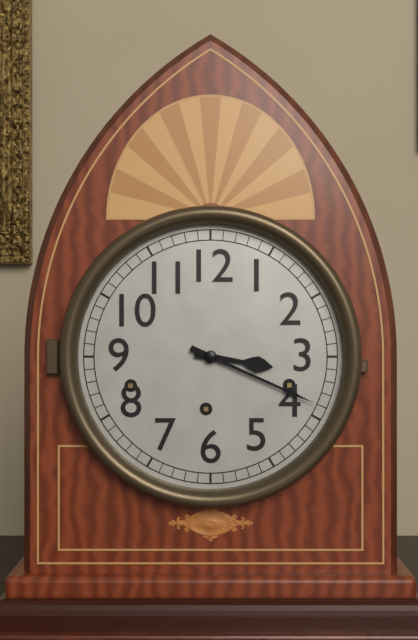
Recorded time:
{"hour": 3, "minute": 19}
